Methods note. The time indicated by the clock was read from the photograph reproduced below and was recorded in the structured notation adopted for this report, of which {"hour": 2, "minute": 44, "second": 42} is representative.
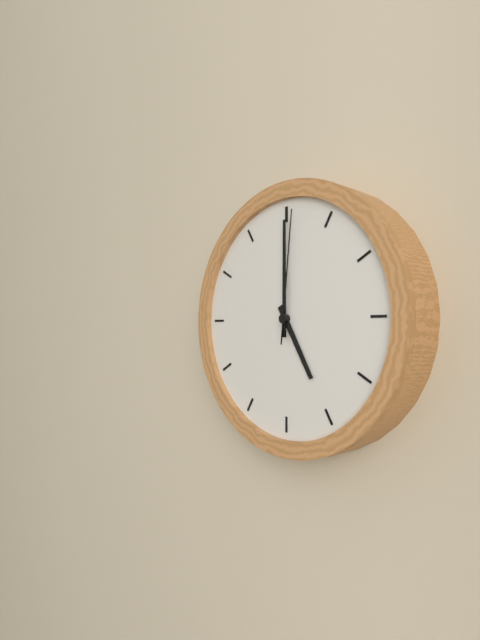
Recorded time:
{"hour": 5, "minute": 0, "second": 1}
